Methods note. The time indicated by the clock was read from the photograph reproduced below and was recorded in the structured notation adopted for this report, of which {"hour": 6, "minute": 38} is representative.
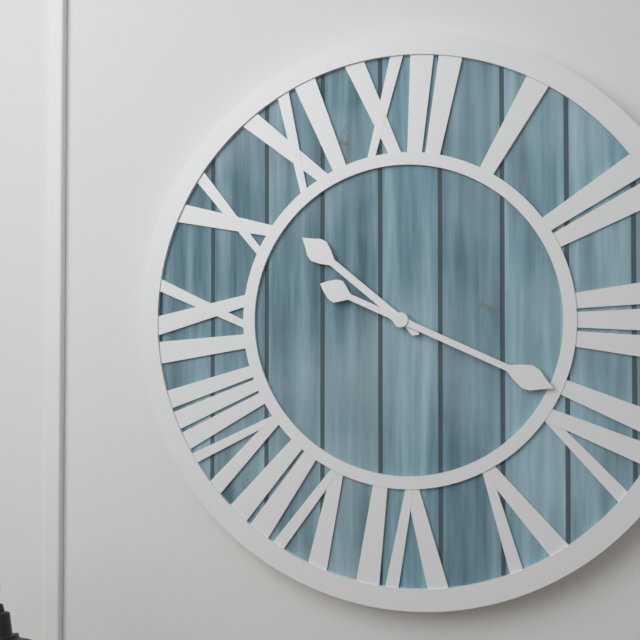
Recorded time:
{"hour": 10, "minute": 19}
